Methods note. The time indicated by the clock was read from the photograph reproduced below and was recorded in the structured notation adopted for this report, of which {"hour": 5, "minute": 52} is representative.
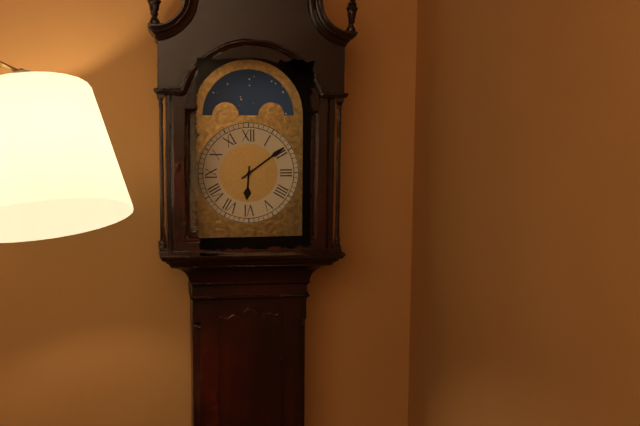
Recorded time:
{"hour": 6, "minute": 9}
